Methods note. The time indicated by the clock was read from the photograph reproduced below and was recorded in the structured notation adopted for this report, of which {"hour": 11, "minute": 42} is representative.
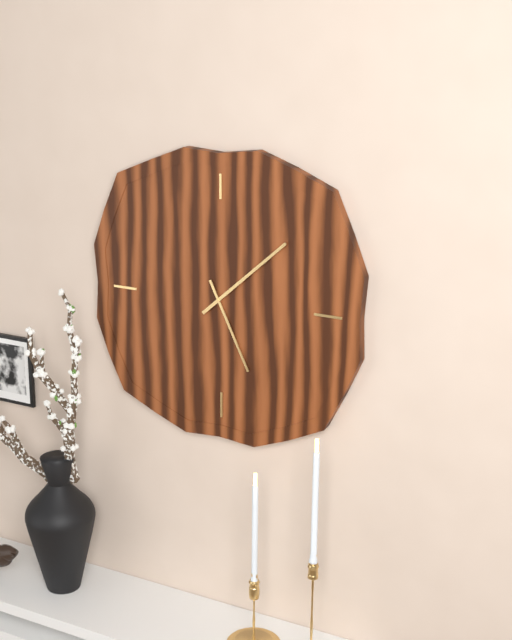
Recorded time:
{"hour": 5, "minute": 8}
